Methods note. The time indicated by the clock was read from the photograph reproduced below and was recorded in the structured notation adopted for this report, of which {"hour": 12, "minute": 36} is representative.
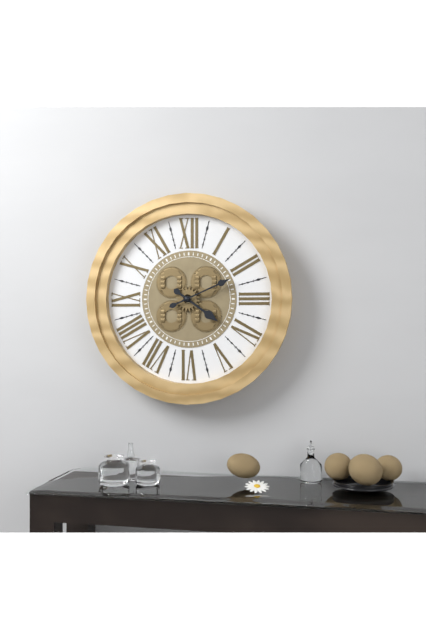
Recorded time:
{"hour": 4, "minute": 11}
